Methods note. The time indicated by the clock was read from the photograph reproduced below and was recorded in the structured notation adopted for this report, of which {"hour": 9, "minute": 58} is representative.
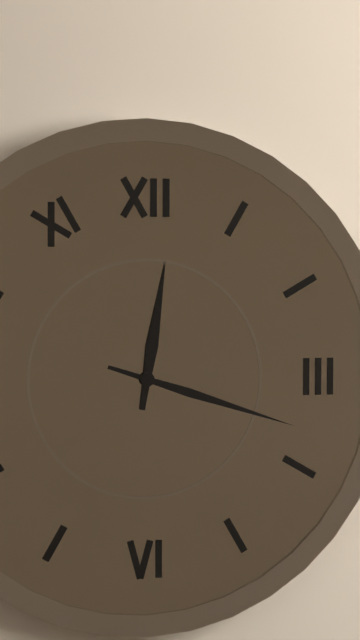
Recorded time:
{"hour": 12, "minute": 18}
